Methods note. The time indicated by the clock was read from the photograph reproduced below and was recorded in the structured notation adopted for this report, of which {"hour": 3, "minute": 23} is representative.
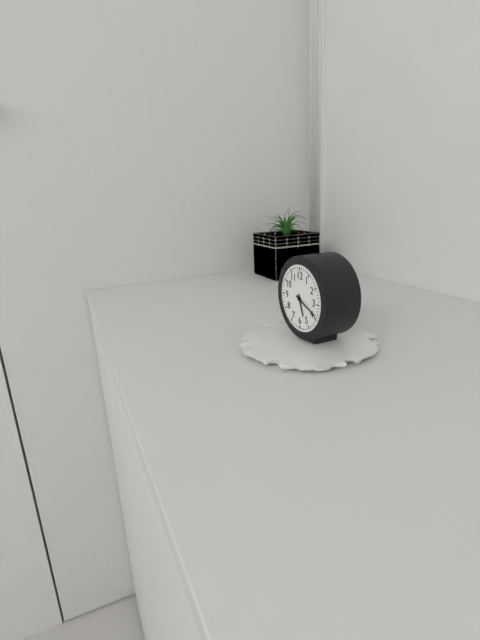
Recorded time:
{"hour": 5, "minute": 19}
